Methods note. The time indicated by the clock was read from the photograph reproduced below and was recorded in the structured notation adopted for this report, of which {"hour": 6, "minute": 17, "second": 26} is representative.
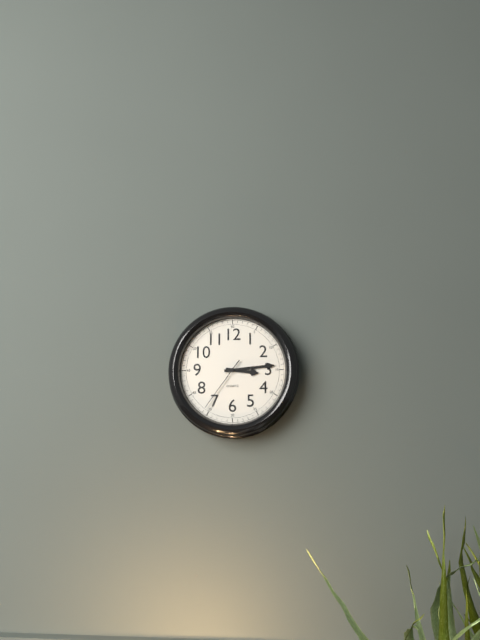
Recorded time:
{"hour": 3, "minute": 14, "second": 36}
